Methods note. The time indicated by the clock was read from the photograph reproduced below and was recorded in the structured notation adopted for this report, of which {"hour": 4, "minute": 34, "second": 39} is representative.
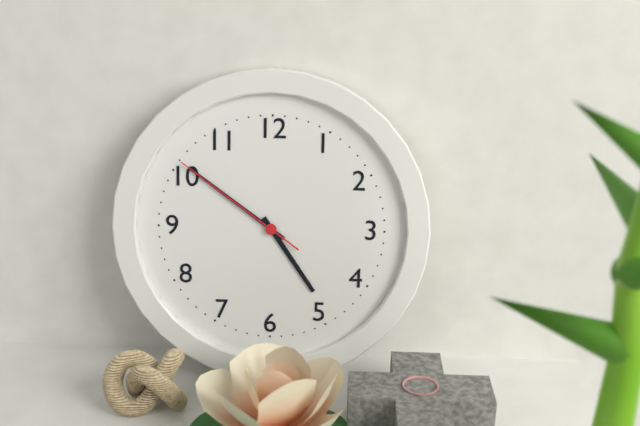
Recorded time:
{"hour": 4, "minute": 51, "second": 51}
